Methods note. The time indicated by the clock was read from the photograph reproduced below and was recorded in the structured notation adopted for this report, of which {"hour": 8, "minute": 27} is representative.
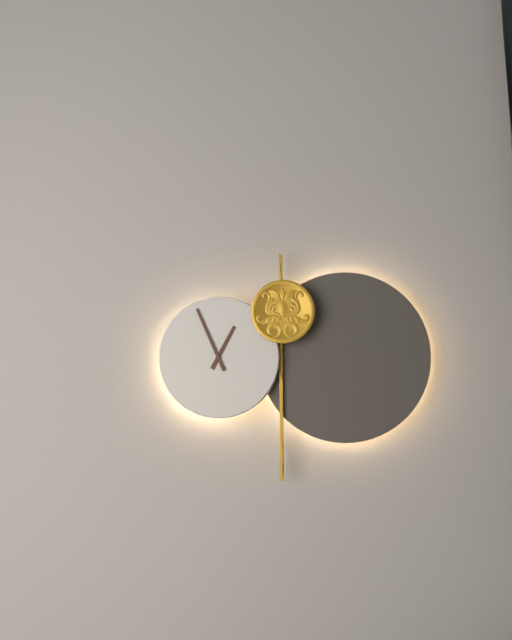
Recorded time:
{"hour": 12, "minute": 56}
